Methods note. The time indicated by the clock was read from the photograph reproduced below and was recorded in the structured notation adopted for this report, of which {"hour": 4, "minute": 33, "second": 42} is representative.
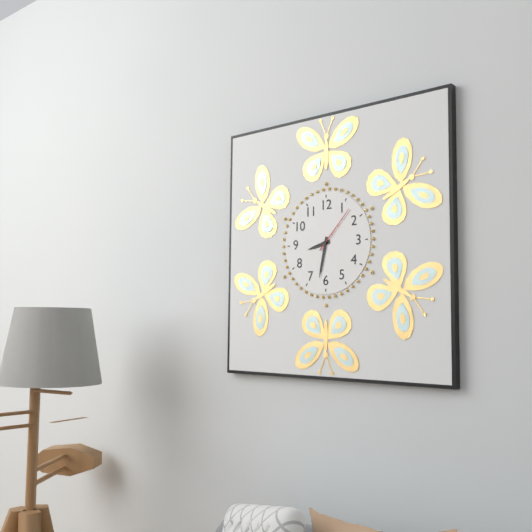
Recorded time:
{"hour": 8, "minute": 32, "second": 7}
